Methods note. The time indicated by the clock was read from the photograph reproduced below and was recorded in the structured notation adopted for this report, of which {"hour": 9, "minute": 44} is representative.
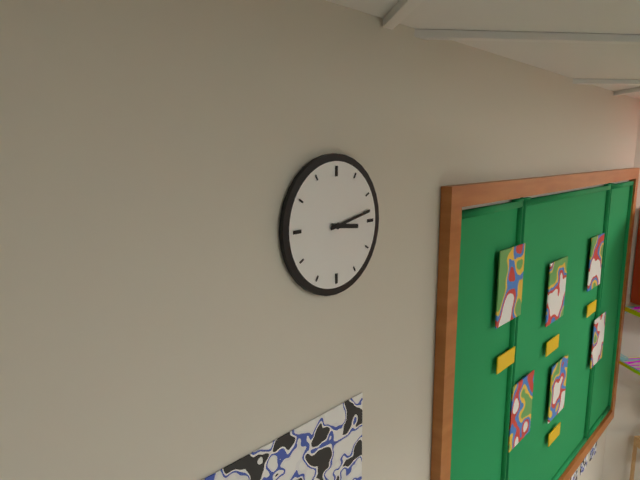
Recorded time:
{"hour": 3, "minute": 13}
